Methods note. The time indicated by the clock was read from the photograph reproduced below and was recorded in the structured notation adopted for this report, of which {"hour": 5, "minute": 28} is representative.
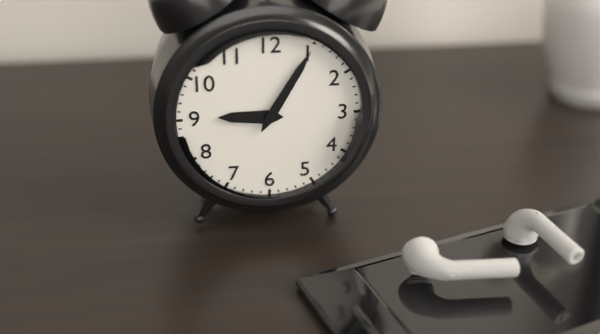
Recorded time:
{"hour": 9, "minute": 5}
